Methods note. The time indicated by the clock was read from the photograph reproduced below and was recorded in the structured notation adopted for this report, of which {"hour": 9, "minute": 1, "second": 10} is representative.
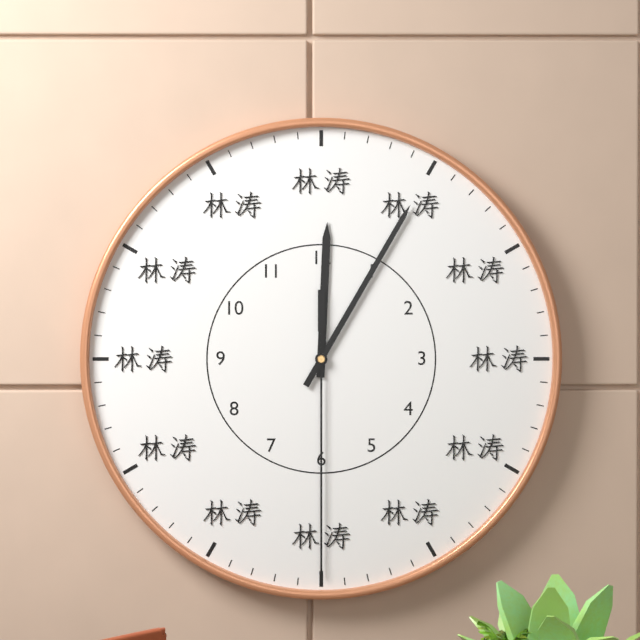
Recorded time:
{"hour": 12, "minute": 5, "second": 30}
